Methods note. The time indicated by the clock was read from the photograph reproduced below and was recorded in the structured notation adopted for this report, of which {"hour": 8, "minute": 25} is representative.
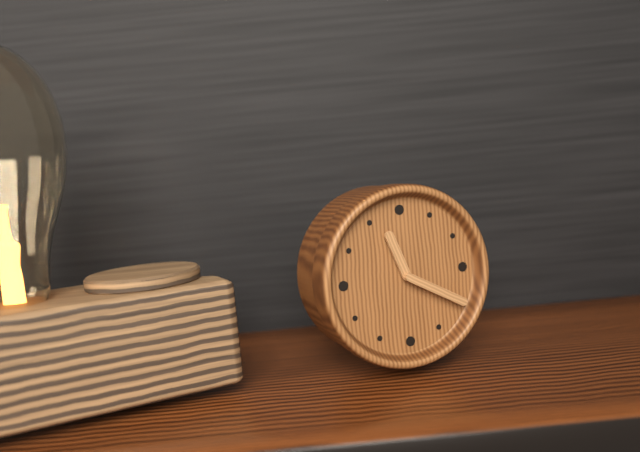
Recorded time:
{"hour": 11, "minute": 20}
